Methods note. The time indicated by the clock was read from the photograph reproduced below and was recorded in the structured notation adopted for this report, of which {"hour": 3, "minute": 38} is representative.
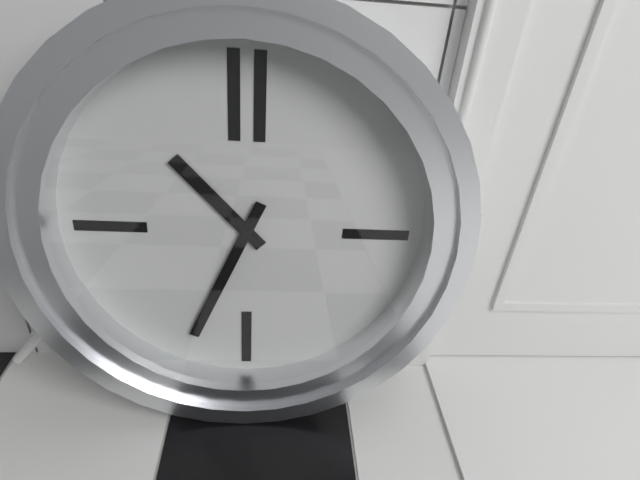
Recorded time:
{"hour": 10, "minute": 34}
